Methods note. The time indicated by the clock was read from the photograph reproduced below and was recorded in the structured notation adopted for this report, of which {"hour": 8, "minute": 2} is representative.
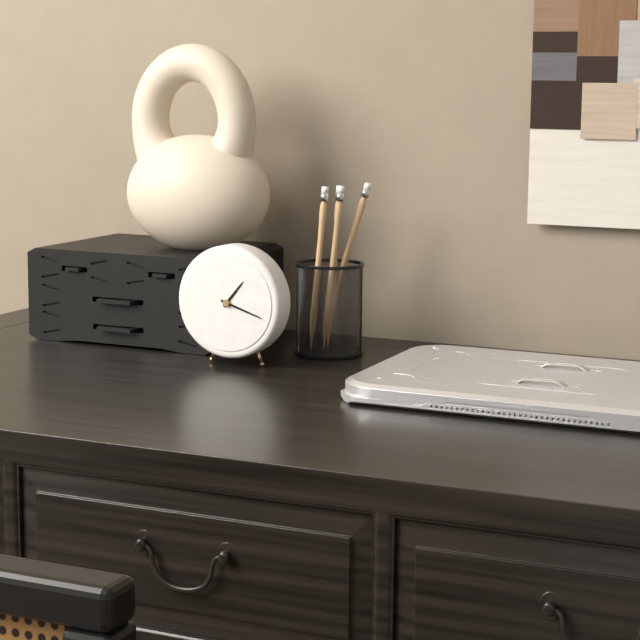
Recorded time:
{"hour": 1, "minute": 18}
